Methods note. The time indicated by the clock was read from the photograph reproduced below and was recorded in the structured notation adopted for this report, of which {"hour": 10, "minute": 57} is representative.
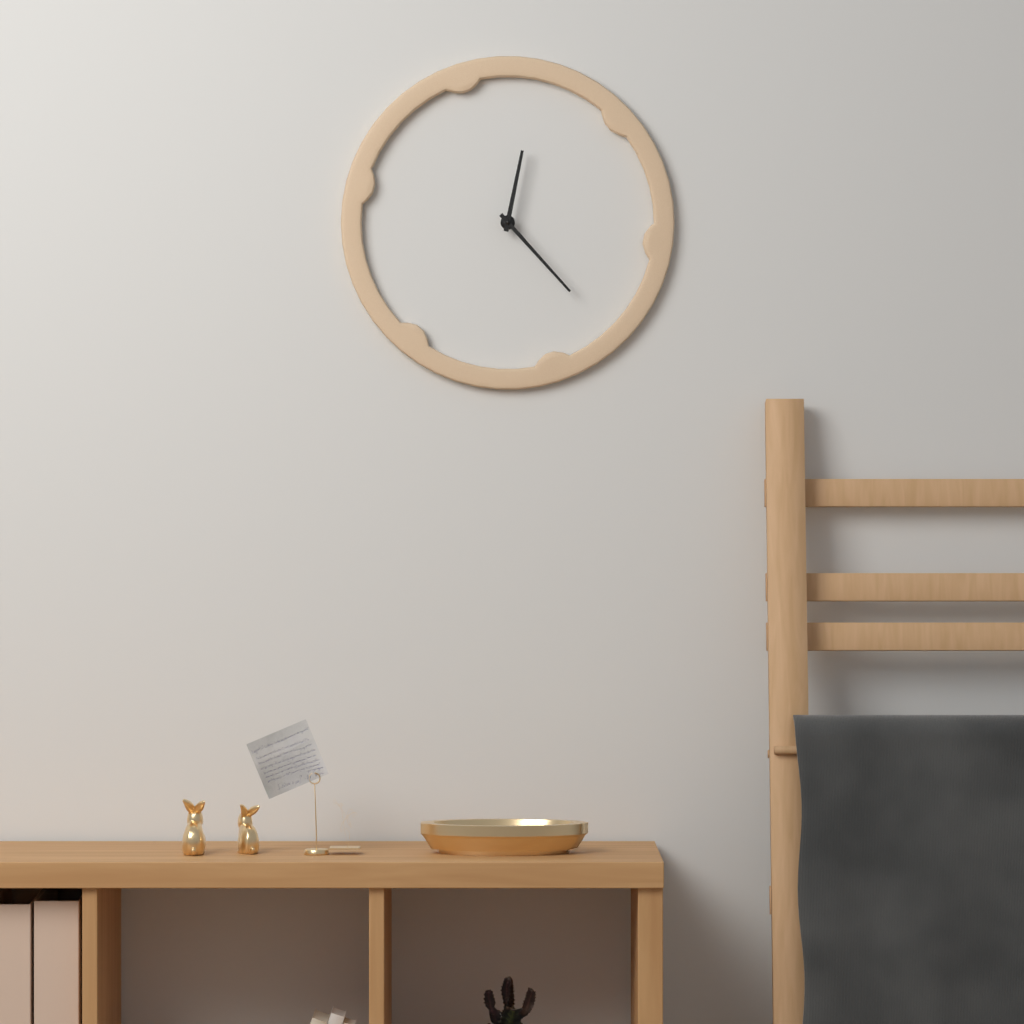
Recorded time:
{"hour": 12, "minute": 23}
